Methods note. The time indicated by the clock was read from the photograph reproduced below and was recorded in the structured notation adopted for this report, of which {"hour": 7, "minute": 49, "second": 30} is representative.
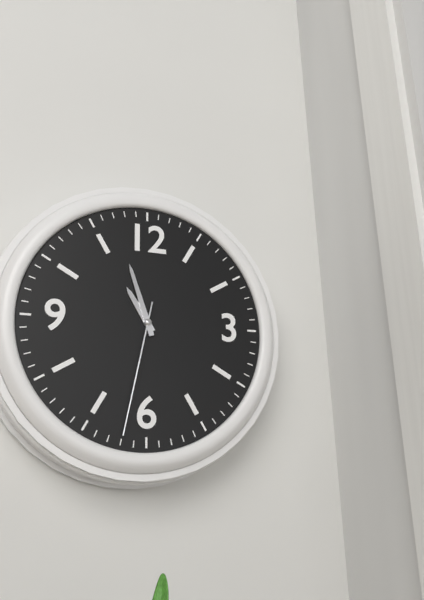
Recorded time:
{"hour": 10, "minute": 57, "second": 32}
